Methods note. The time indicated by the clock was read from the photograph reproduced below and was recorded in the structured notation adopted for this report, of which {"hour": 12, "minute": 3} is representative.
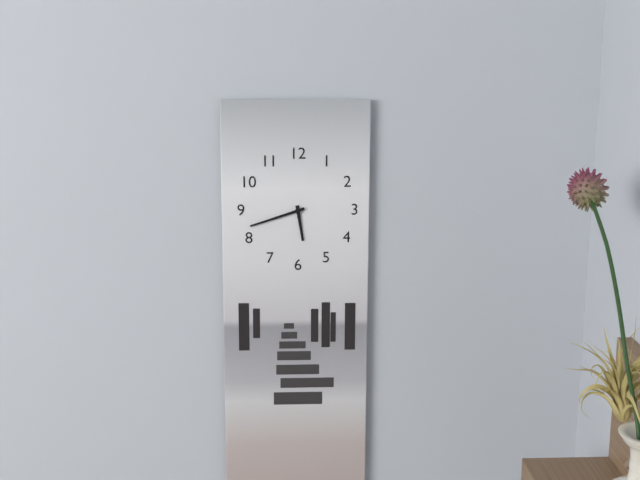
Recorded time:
{"hour": 5, "minute": 42}
